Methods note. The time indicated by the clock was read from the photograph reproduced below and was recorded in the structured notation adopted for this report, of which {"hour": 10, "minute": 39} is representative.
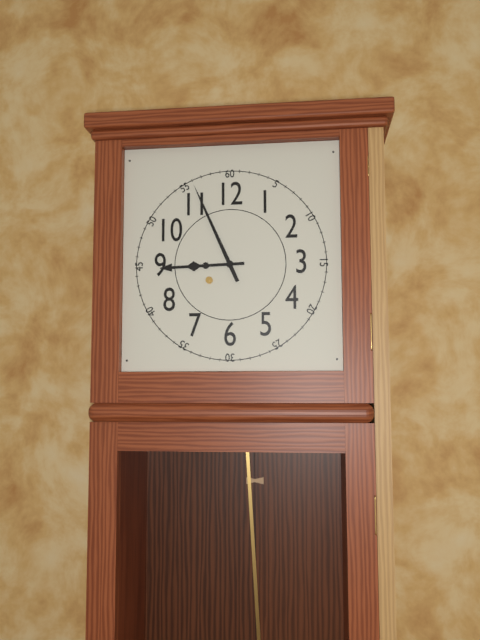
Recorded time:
{"hour": 8, "minute": 56}
